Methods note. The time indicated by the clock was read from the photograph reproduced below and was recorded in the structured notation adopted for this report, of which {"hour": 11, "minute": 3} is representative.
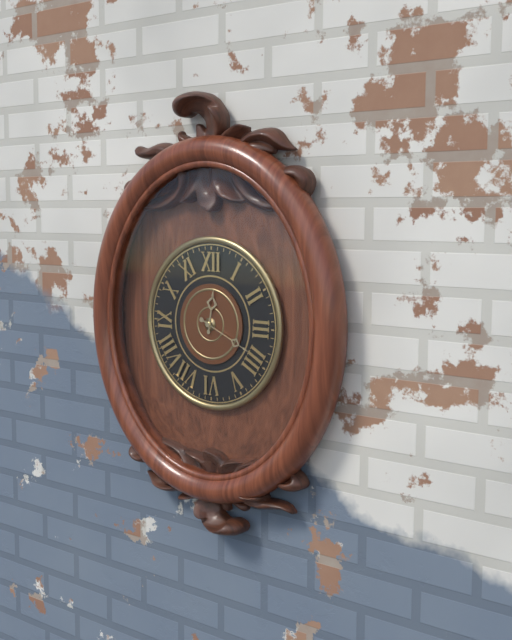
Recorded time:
{"hour": 12, "minute": 19}
